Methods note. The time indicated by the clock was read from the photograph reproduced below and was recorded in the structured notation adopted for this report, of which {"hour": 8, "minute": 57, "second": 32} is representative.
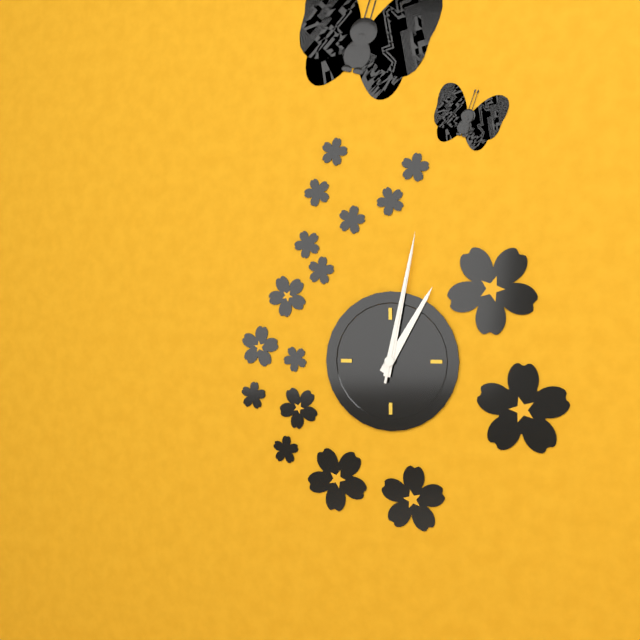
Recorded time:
{"hour": 1, "minute": 2, "second": 2}
